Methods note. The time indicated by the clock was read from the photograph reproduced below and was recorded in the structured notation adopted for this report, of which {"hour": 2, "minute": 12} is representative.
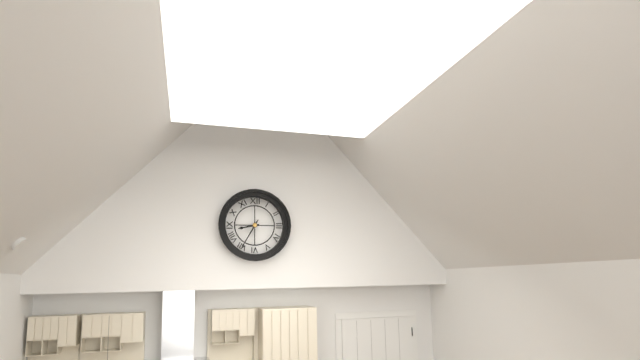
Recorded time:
{"hour": 8, "minute": 35}
